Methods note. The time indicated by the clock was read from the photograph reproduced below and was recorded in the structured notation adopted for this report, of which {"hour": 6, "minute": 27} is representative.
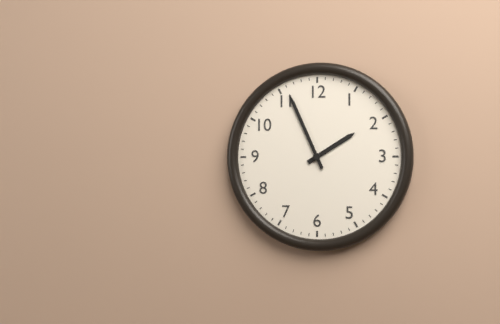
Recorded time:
{"hour": 1, "minute": 56}
